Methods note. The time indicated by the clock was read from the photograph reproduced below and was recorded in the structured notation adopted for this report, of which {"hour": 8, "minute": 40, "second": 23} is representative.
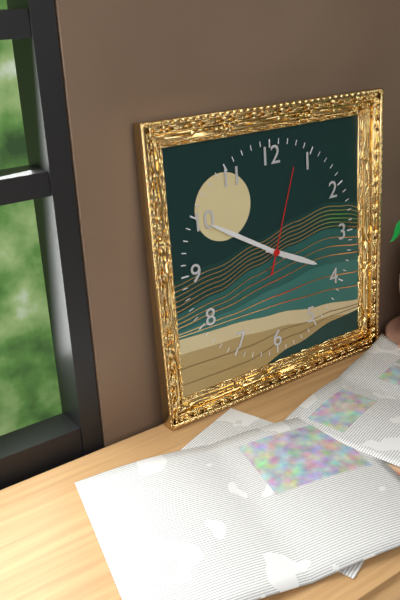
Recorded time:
{"hour": 3, "minute": 50, "second": 3}
